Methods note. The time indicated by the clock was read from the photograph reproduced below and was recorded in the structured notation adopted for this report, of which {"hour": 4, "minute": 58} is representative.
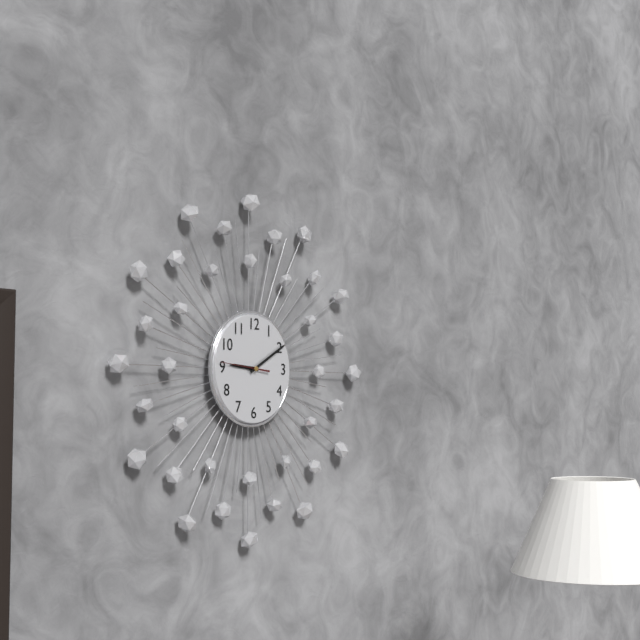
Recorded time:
{"hour": 9, "minute": 10}
